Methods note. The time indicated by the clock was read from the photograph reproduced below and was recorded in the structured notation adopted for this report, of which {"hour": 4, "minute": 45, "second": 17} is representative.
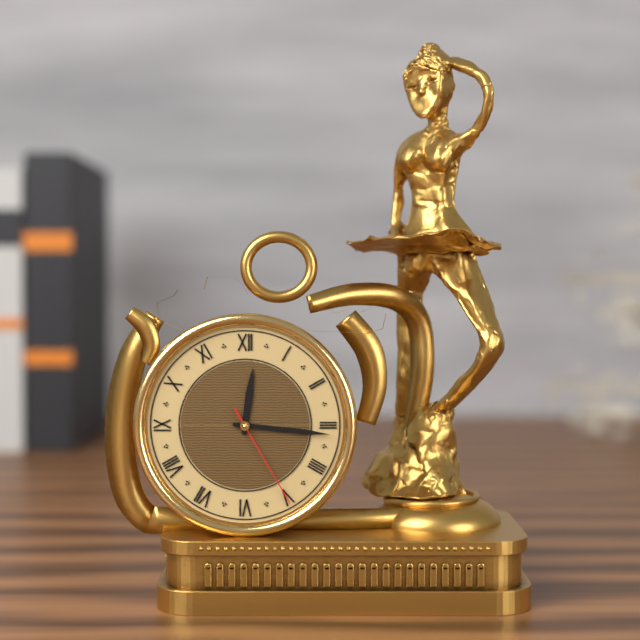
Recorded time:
{"hour": 12, "minute": 16, "second": 25}
